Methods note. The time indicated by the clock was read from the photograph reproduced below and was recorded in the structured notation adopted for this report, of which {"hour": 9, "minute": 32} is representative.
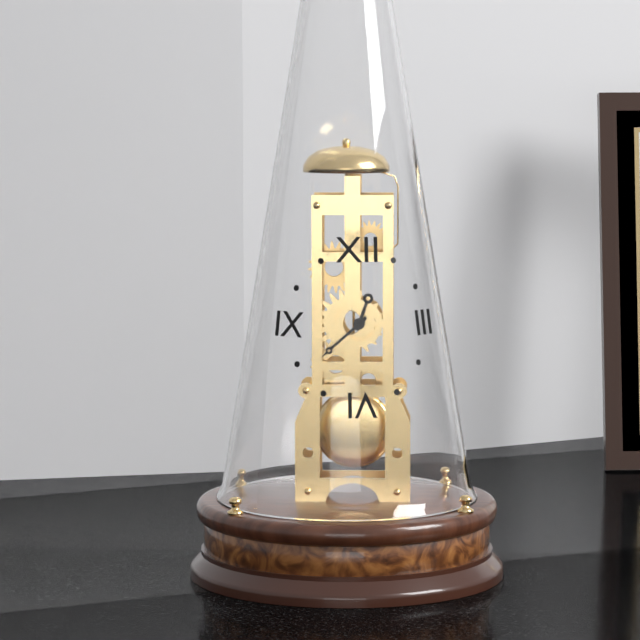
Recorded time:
{"hour": 12, "minute": 38}
